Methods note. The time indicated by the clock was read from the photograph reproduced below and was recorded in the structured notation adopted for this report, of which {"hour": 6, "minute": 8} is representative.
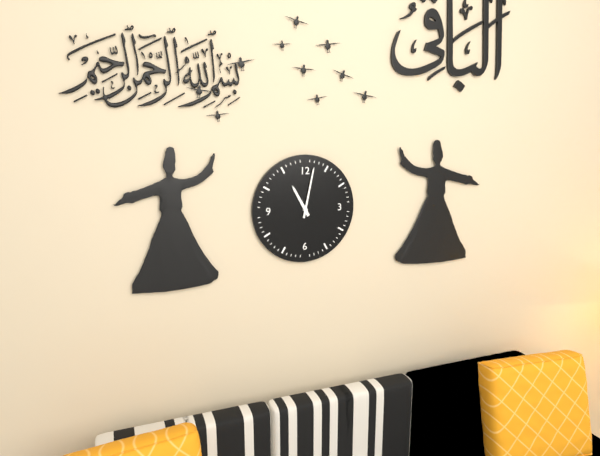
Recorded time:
{"hour": 11, "minute": 2}
